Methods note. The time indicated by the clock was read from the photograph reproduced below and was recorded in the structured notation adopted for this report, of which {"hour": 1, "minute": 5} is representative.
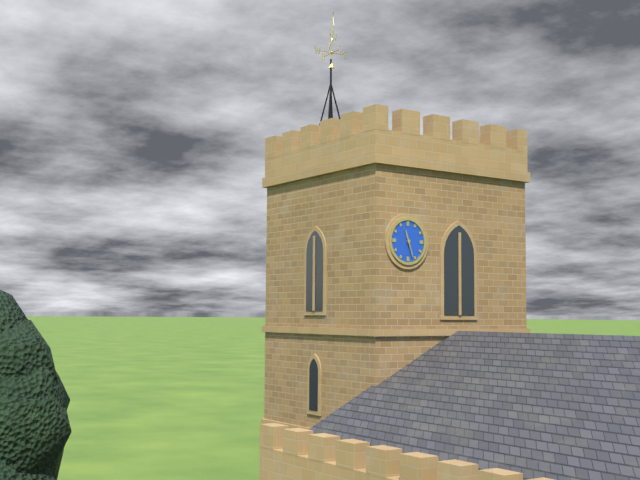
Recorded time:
{"hour": 11, "minute": 27}
